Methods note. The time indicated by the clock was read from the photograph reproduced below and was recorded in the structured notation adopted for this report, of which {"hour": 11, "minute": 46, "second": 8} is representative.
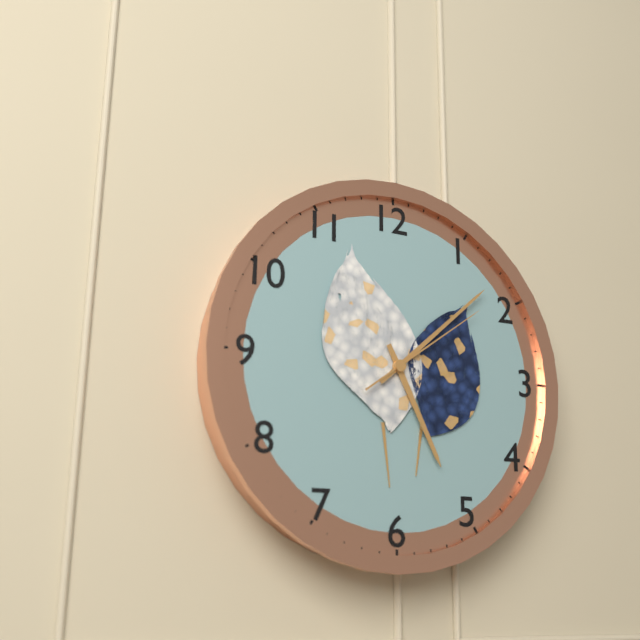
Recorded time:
{"hour": 5, "minute": 8, "second": 9}
